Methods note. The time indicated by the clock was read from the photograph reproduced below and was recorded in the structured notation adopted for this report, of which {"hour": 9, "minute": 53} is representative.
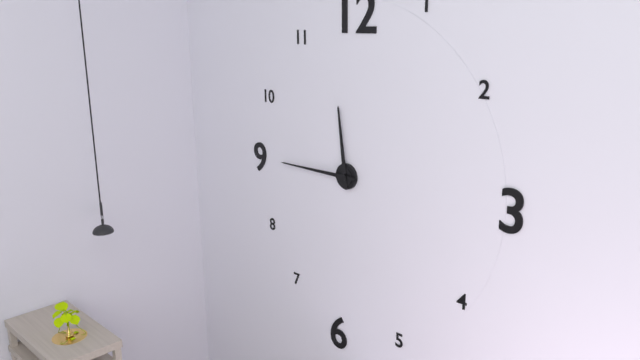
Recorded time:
{"hour": 11, "minute": 45}
